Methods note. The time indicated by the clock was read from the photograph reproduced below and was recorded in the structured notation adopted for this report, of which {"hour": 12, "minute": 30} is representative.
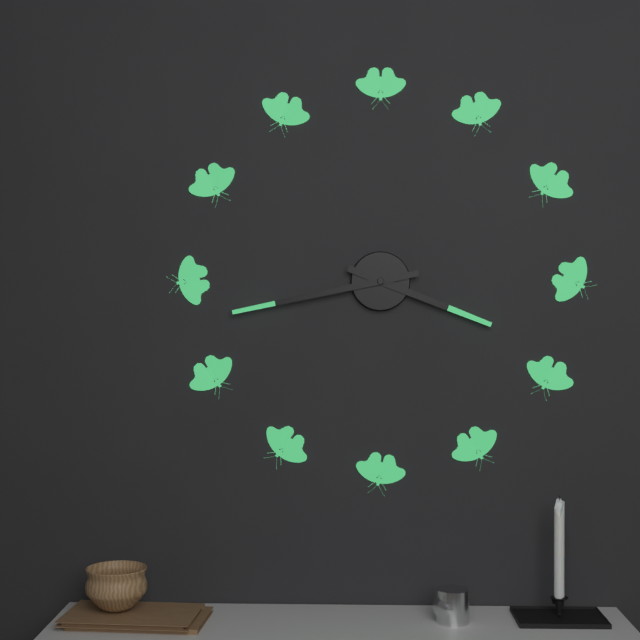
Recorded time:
{"hour": 3, "minute": 43}
